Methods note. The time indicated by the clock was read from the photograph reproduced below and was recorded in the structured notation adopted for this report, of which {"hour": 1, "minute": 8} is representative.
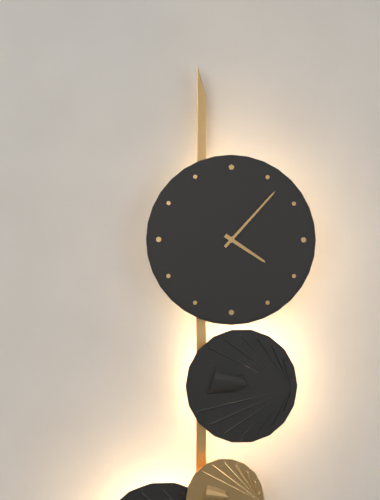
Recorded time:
{"hour": 4, "minute": 7}
